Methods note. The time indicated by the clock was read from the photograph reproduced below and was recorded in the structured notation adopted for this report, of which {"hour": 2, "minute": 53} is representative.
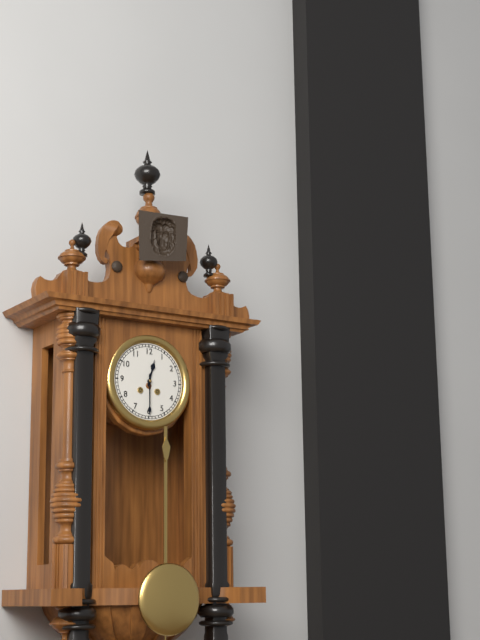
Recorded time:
{"hour": 12, "minute": 30}
